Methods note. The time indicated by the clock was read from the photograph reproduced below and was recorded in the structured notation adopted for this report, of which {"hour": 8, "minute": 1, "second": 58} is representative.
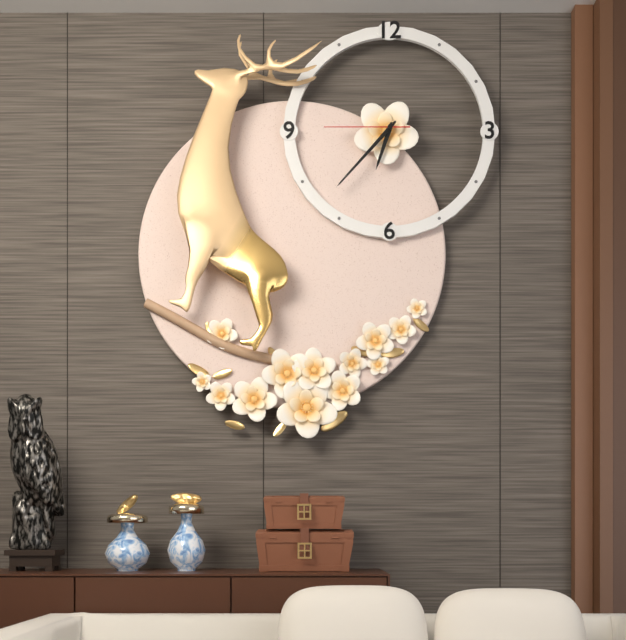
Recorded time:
{"hour": 6, "minute": 37, "second": 45}
